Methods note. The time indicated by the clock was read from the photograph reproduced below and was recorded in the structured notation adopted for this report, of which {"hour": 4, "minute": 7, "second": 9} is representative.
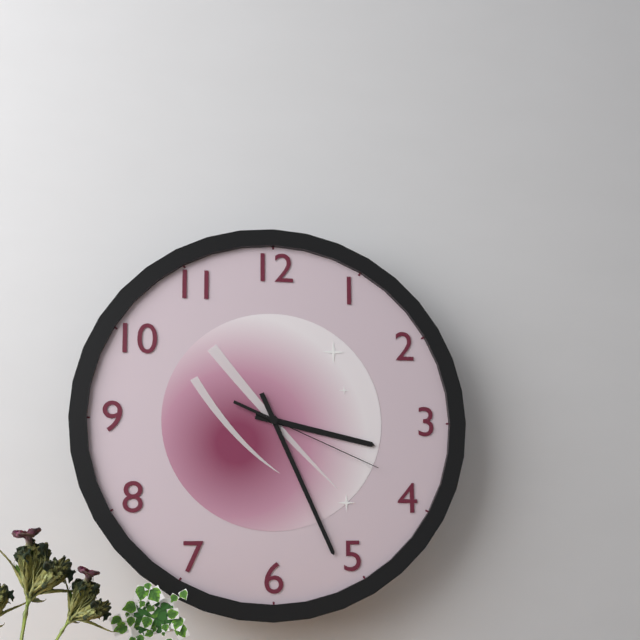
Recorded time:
{"hour": 3, "minute": 26, "second": 19}
